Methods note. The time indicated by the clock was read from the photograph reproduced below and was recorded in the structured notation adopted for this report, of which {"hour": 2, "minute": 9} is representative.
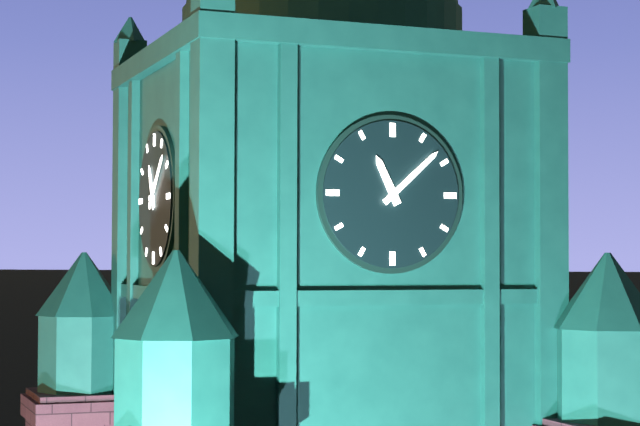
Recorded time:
{"hour": 11, "minute": 8}
